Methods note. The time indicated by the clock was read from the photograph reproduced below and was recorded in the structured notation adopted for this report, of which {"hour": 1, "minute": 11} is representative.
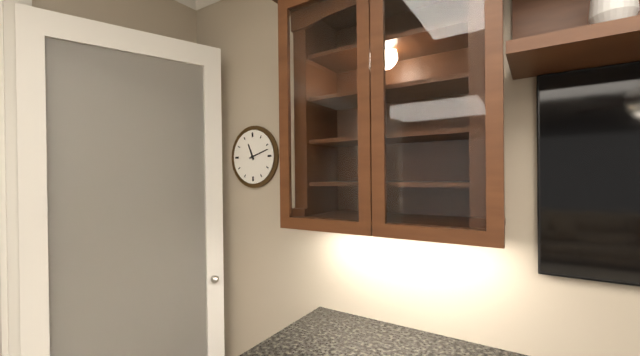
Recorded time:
{"hour": 11, "minute": 12}
